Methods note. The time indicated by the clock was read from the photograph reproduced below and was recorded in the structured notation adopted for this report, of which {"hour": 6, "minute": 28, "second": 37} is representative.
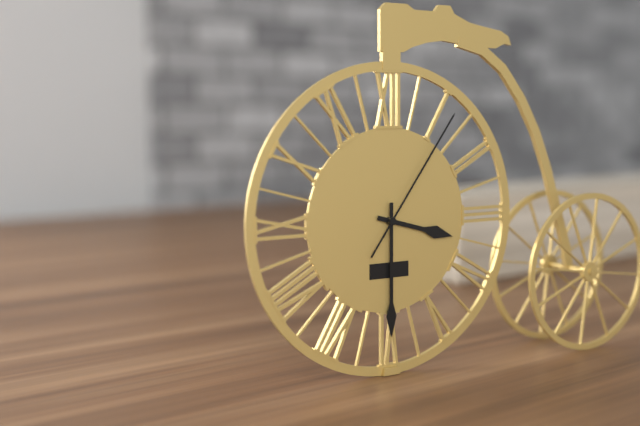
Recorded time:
{"hour": 3, "minute": 30, "second": 6}
